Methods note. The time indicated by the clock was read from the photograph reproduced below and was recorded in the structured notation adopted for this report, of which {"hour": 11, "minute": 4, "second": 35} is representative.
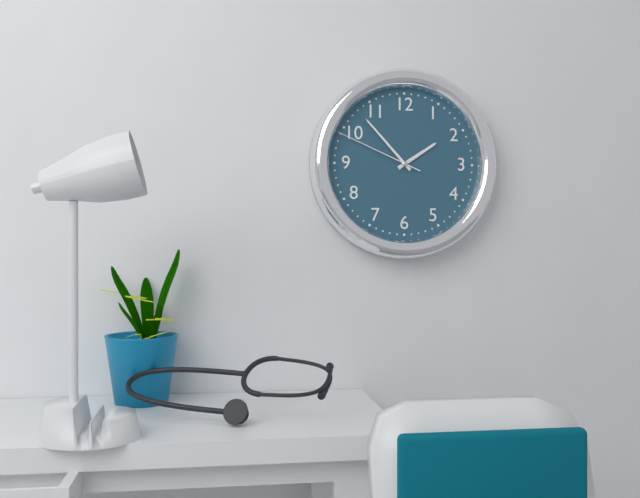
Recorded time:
{"hour": 1, "minute": 53, "second": 49}
